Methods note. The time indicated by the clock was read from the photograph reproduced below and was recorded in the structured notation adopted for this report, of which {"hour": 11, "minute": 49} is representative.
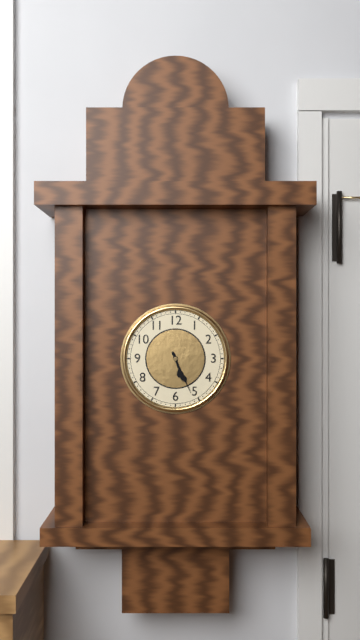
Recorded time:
{"hour": 5, "minute": 26}
